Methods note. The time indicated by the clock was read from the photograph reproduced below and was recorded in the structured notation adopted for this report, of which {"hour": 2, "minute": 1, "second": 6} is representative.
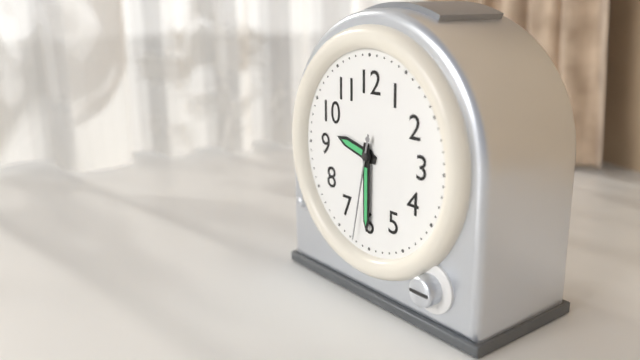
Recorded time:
{"hour": 9, "minute": 30, "second": 32}
